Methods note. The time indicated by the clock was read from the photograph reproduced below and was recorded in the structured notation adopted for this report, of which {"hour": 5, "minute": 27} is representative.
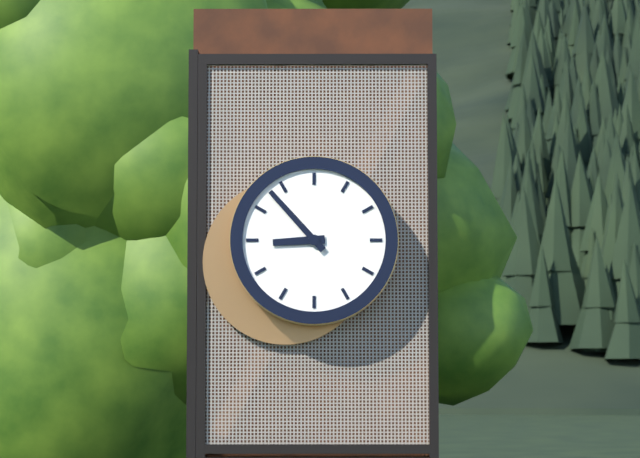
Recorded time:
{"hour": 8, "minute": 53}
